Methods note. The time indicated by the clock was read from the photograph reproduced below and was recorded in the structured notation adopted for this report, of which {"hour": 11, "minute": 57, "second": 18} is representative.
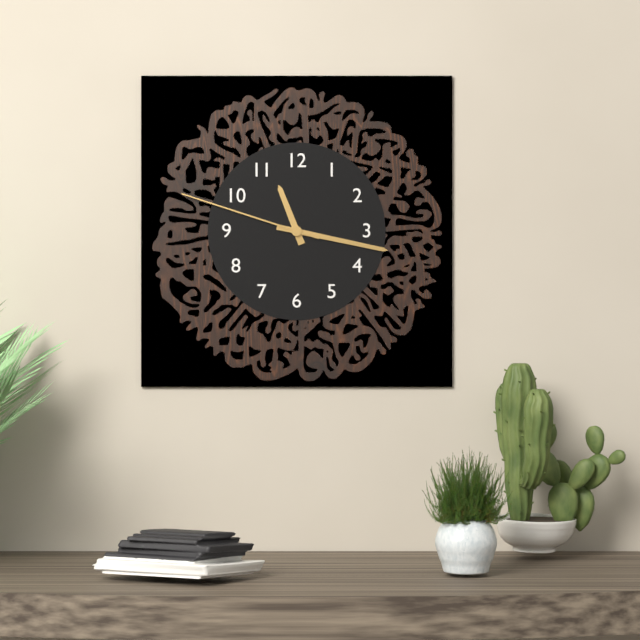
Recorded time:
{"hour": 11, "minute": 17, "second": 48}
